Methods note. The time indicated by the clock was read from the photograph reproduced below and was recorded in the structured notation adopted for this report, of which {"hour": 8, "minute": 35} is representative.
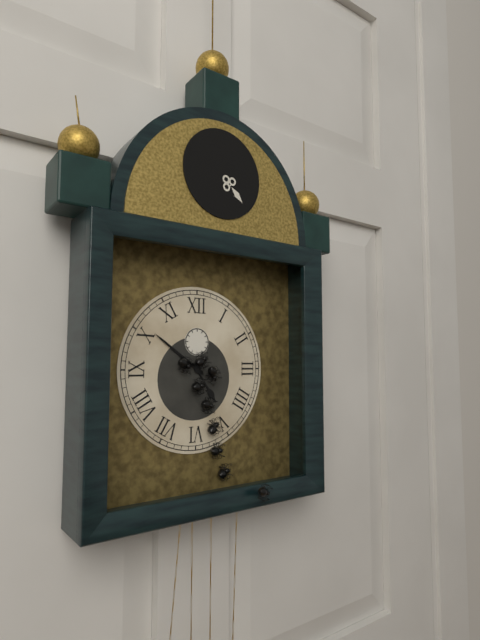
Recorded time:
{"hour": 4, "minute": 51}
